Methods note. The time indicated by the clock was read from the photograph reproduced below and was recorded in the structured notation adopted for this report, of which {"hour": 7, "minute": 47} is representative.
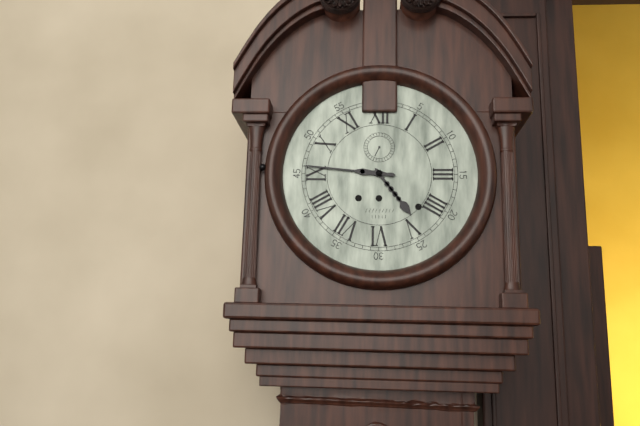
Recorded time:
{"hour": 4, "minute": 46}
